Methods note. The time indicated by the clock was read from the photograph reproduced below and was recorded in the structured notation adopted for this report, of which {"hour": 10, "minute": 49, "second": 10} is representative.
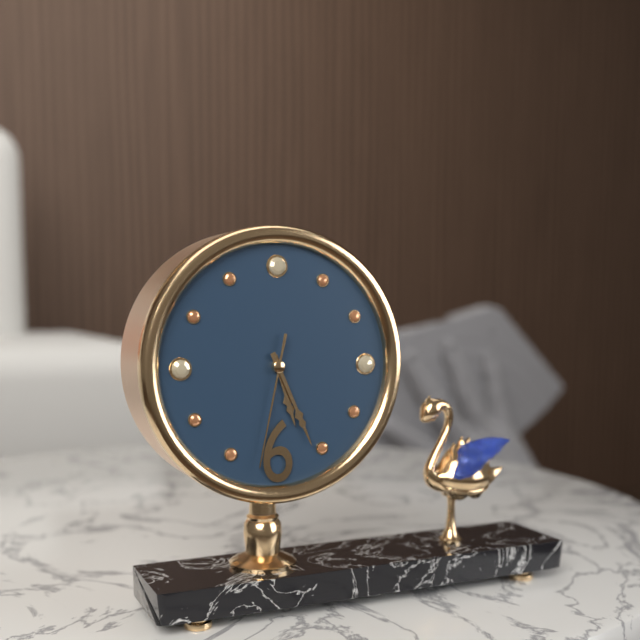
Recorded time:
{"hour": 5, "minute": 26, "second": 32}
